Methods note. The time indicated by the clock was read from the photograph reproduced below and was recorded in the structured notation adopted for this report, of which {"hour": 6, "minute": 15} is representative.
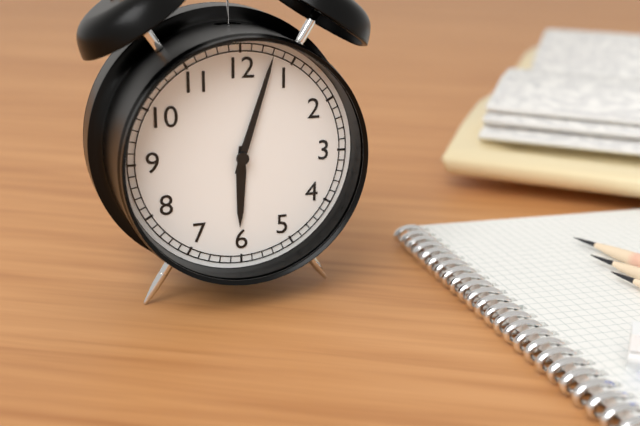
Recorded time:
{"hour": 6, "minute": 3}
